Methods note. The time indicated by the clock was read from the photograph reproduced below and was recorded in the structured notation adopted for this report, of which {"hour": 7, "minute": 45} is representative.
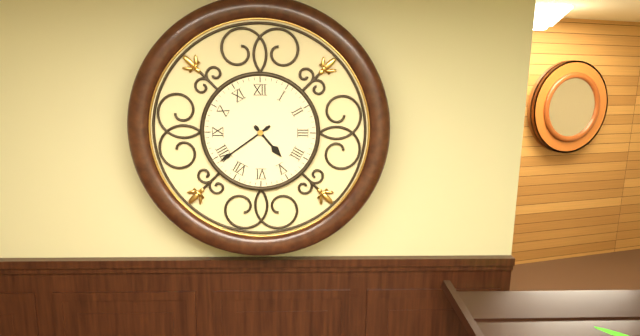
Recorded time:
{"hour": 4, "minute": 39}
